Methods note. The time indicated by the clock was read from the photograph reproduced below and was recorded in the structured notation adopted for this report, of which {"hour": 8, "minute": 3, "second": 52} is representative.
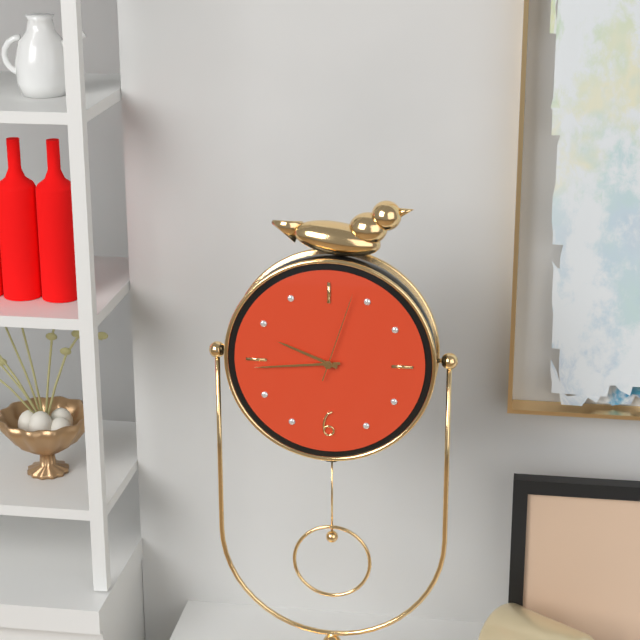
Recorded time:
{"hour": 9, "minute": 44, "second": 3}
